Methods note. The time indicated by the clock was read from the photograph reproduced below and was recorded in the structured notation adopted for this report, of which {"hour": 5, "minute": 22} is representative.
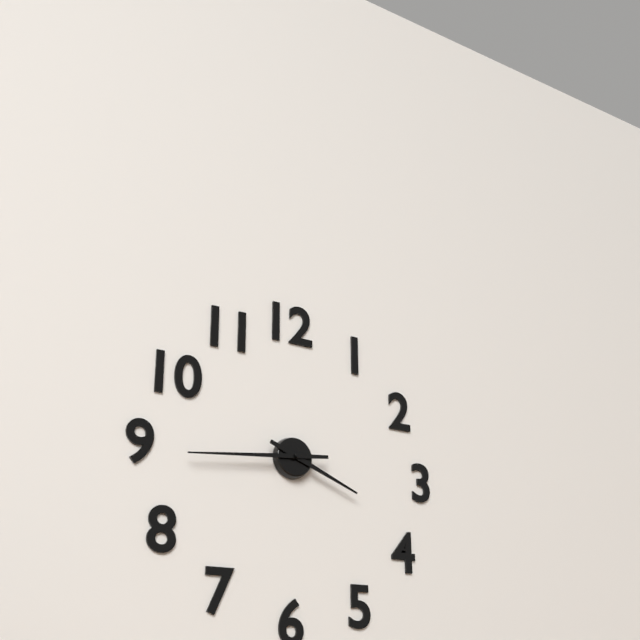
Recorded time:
{"hour": 3, "minute": 44}
